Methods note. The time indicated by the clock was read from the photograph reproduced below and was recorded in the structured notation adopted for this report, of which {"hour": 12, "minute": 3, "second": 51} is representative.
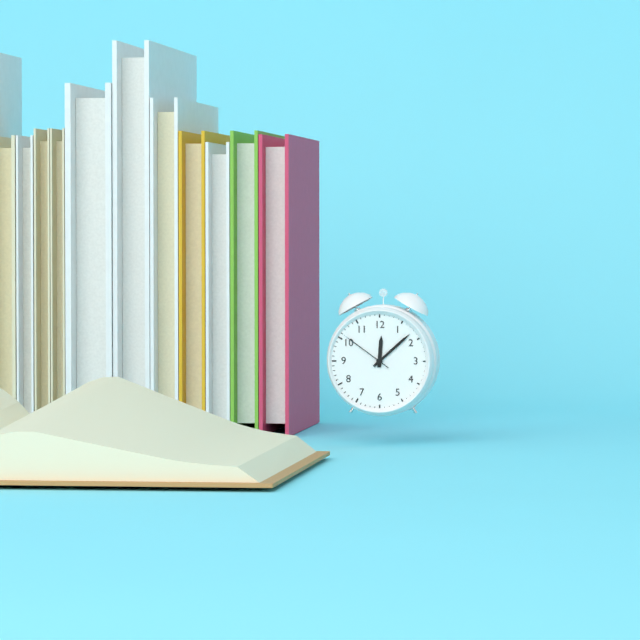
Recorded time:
{"hour": 12, "minute": 8, "second": 51}
